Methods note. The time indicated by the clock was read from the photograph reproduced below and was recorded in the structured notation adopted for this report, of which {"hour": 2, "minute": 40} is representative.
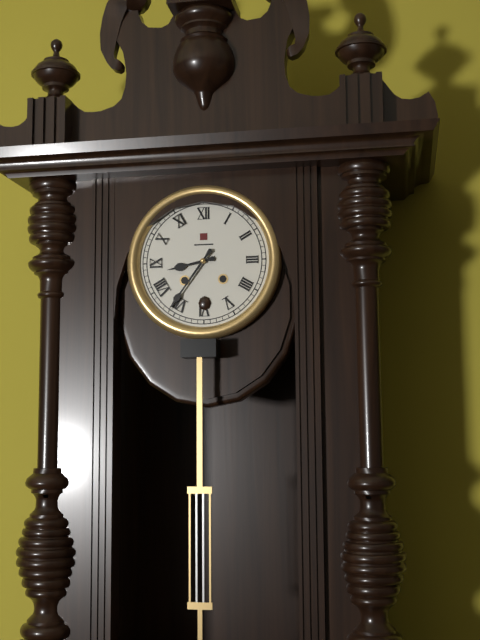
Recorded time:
{"hour": 8, "minute": 36}
